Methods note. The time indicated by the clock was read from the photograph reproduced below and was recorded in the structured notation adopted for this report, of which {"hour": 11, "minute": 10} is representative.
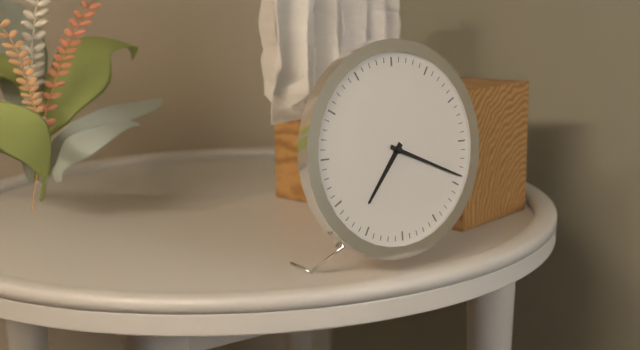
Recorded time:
{"hour": 7, "minute": 19}
